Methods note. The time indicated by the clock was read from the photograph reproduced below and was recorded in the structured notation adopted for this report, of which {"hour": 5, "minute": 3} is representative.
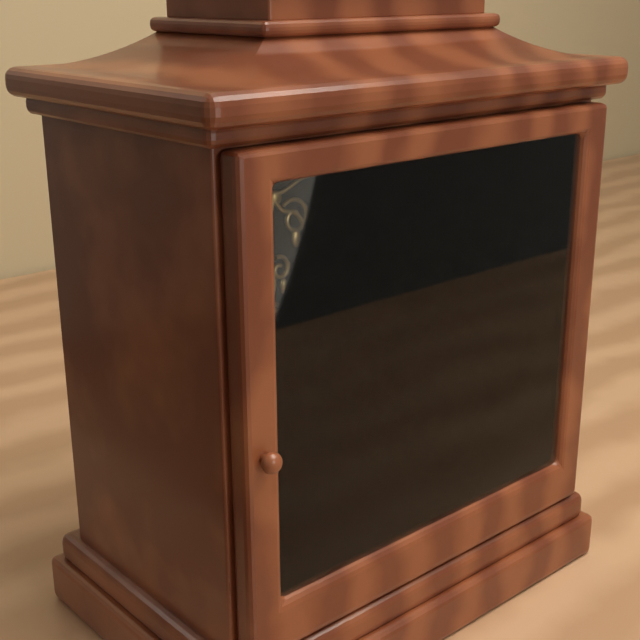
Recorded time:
{"hour": 8, "minute": 57}
